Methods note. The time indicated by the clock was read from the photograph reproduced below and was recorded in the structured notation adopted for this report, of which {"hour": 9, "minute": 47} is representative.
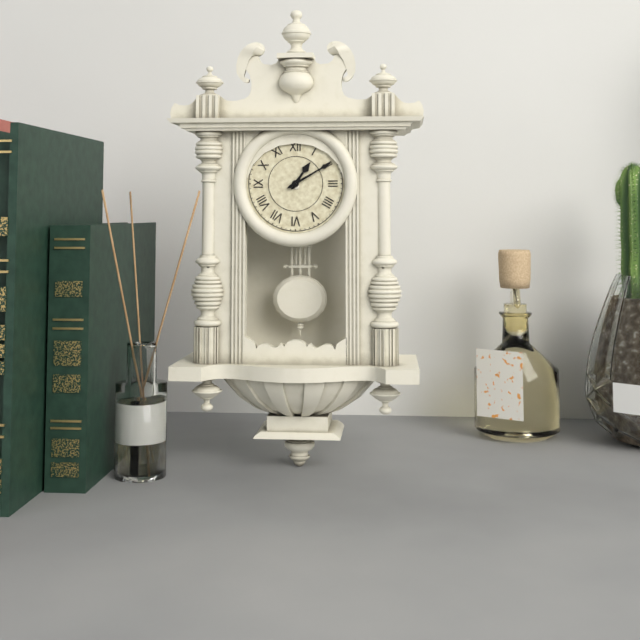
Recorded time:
{"hour": 1, "minute": 10}
